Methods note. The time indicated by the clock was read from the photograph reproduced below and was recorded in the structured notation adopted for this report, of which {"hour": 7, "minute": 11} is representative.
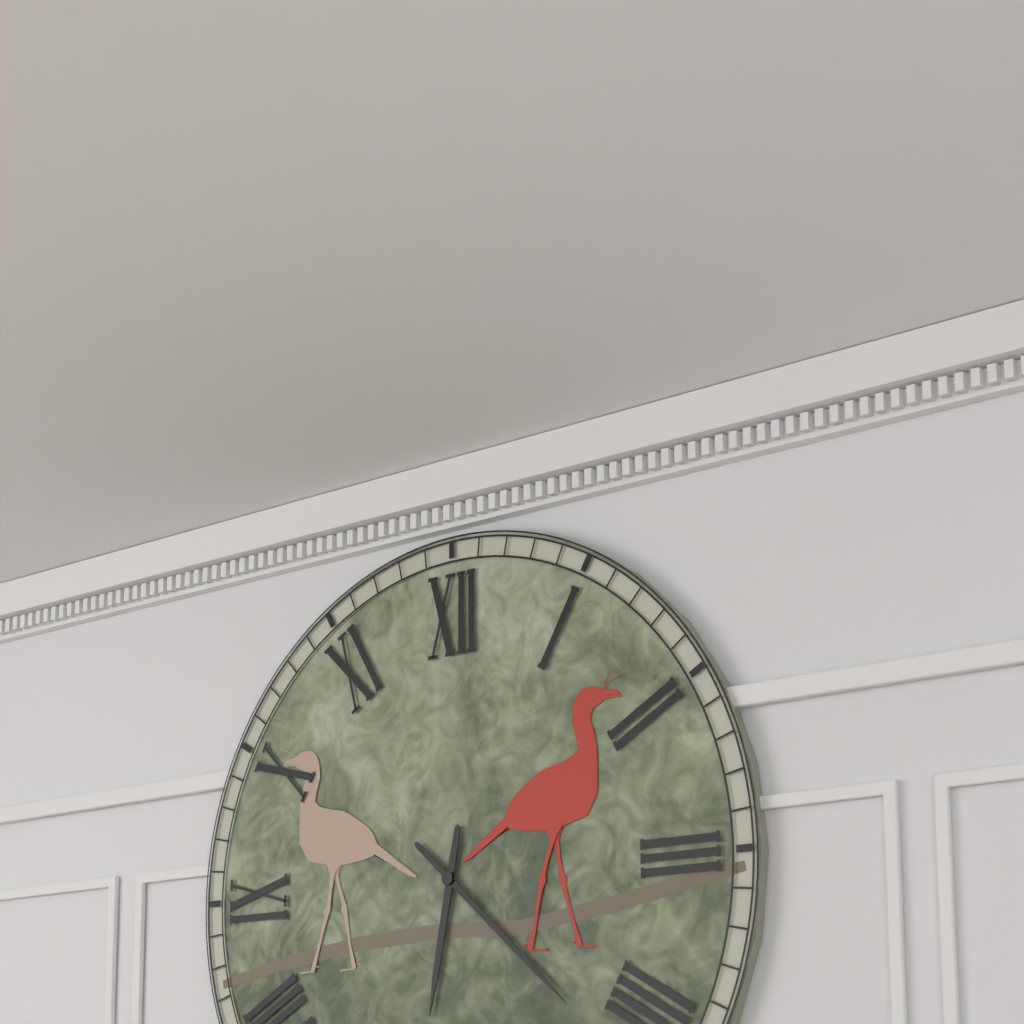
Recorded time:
{"hour": 6, "minute": 22}
